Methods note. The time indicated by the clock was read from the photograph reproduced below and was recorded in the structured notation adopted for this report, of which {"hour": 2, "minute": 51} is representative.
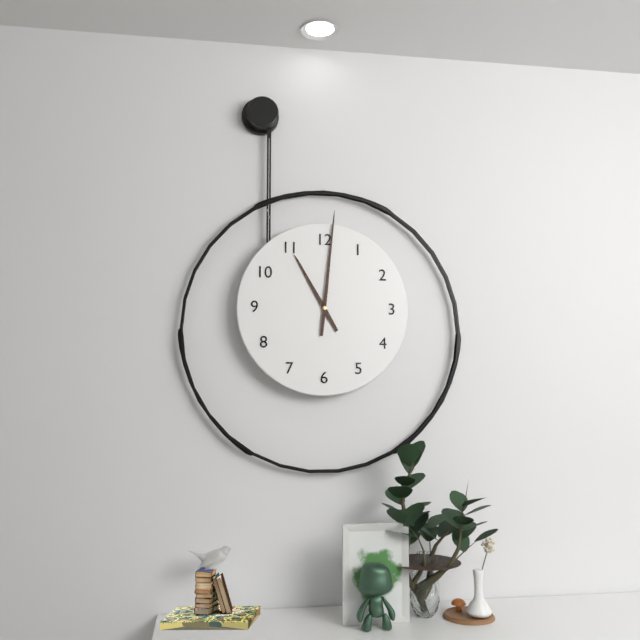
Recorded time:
{"hour": 11, "minute": 1}
